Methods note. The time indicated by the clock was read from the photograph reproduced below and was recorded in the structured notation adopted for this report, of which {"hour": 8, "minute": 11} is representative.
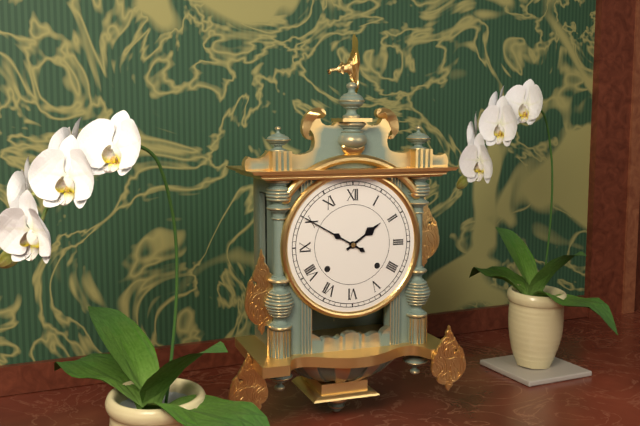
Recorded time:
{"hour": 1, "minute": 50}
